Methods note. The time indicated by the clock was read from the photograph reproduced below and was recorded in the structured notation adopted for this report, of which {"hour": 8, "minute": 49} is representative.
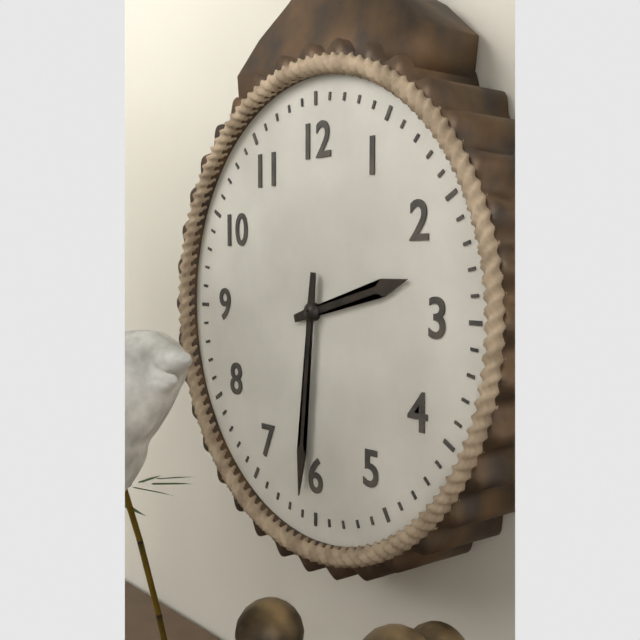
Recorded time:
{"hour": 2, "minute": 31}
